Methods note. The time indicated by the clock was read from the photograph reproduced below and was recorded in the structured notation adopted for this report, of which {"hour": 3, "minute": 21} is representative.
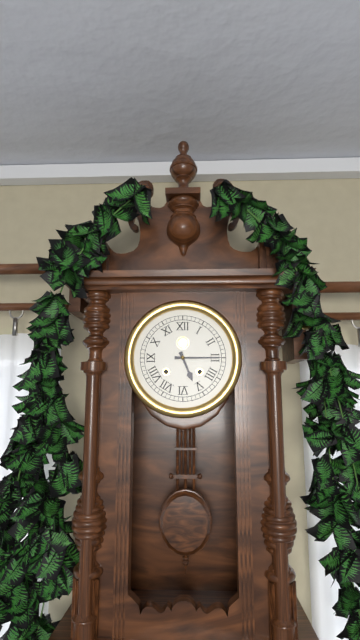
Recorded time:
{"hour": 5, "minute": 15}
